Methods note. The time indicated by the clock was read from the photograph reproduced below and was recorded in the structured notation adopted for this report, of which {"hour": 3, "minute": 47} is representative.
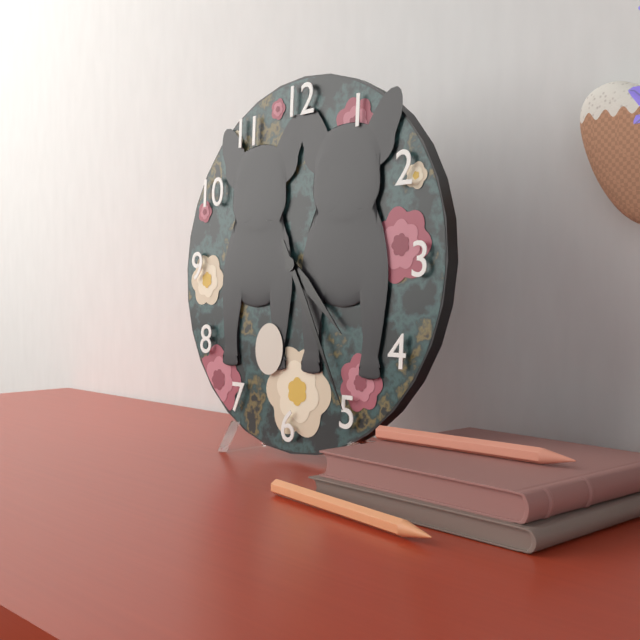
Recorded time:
{"hour": 4, "minute": 25}
